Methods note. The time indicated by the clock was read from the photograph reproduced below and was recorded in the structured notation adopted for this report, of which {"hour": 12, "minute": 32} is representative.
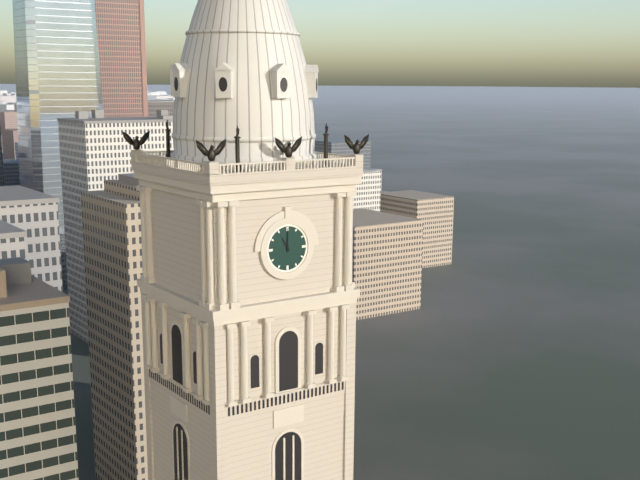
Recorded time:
{"hour": 11, "minute": 0}
